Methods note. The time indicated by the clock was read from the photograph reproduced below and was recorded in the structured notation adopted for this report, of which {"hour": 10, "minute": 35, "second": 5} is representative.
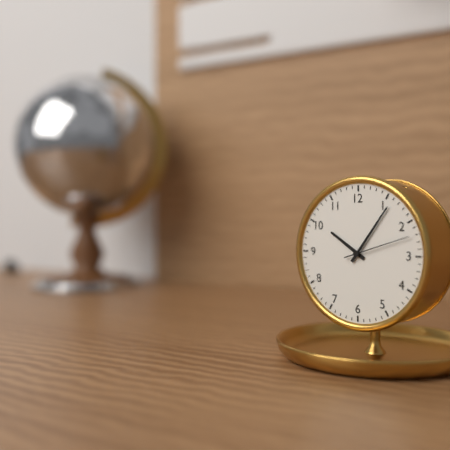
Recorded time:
{"hour": 10, "minute": 6, "second": 12}
